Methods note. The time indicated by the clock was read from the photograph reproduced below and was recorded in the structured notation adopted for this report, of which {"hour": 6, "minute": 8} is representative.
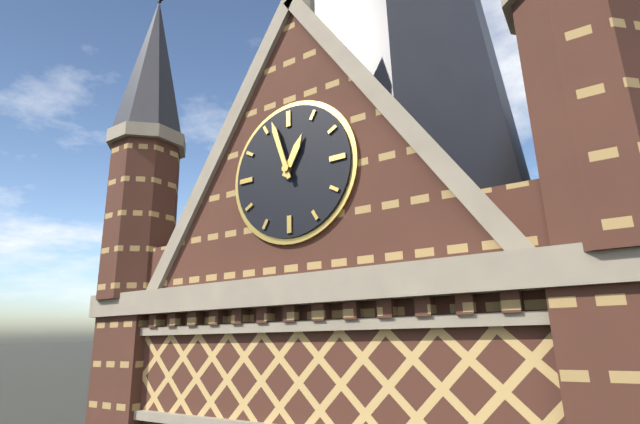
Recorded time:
{"hour": 12, "minute": 57}
